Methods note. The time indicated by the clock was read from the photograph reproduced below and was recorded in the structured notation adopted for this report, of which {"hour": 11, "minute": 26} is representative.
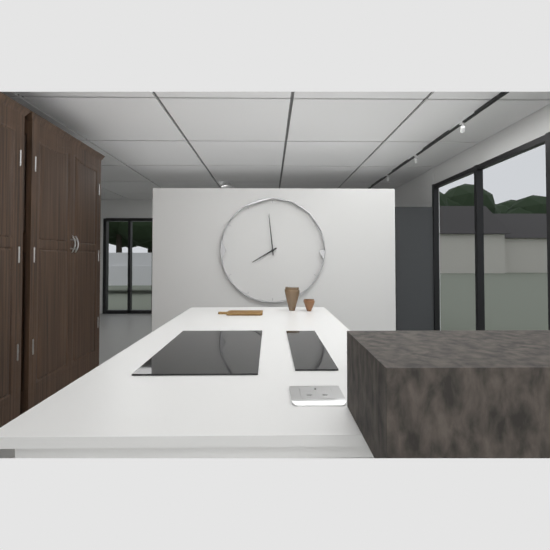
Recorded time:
{"hour": 7, "minute": 59}
